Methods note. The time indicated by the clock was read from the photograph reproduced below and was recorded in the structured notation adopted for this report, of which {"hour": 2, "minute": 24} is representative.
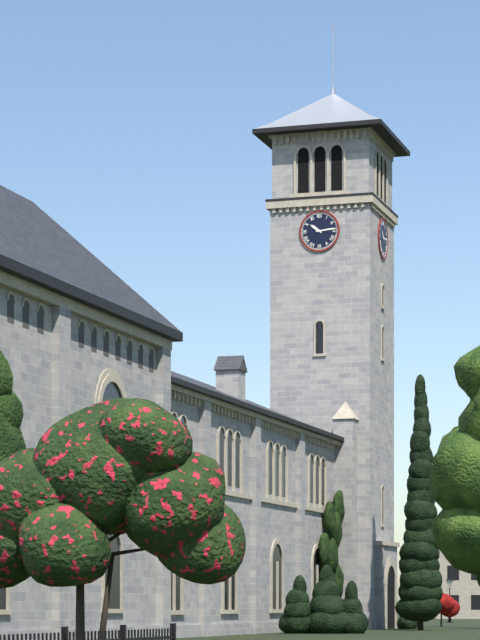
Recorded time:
{"hour": 10, "minute": 14}
